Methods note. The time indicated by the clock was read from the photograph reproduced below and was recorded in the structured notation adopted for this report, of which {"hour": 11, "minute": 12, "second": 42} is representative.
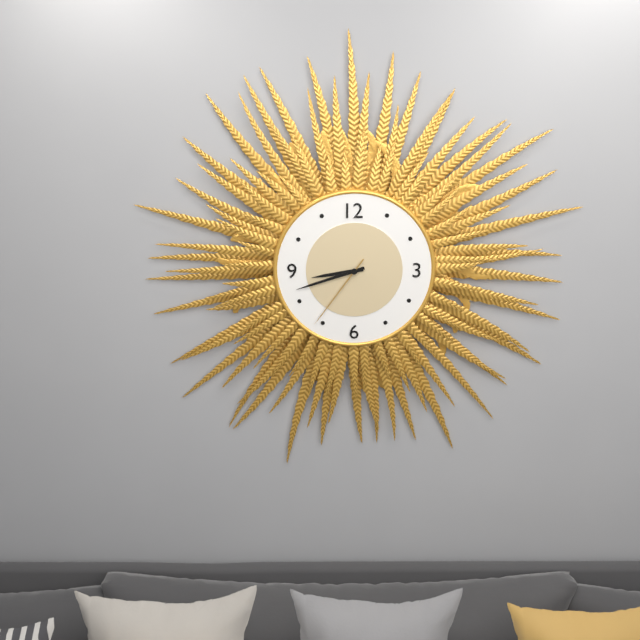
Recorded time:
{"hour": 8, "minute": 42, "second": 36}
